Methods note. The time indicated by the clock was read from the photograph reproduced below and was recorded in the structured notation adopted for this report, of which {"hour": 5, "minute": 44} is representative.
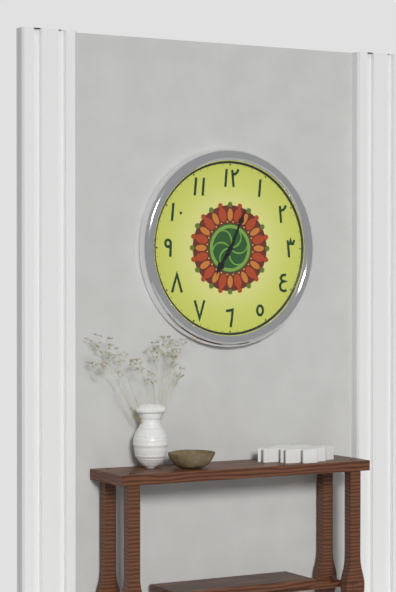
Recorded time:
{"hour": 7, "minute": 4}
